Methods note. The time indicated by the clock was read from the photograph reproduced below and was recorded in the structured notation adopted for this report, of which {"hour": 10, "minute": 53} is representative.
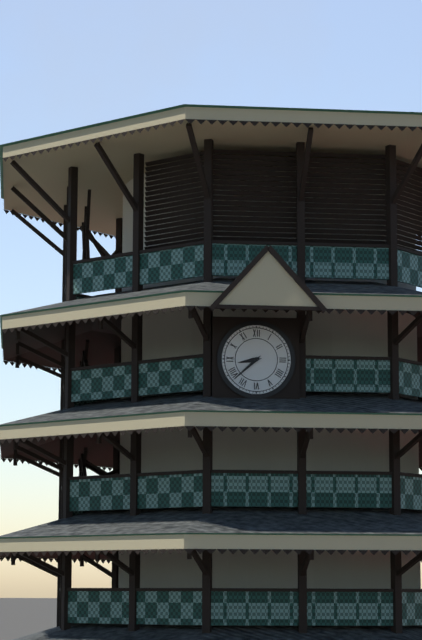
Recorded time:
{"hour": 8, "minute": 38}
